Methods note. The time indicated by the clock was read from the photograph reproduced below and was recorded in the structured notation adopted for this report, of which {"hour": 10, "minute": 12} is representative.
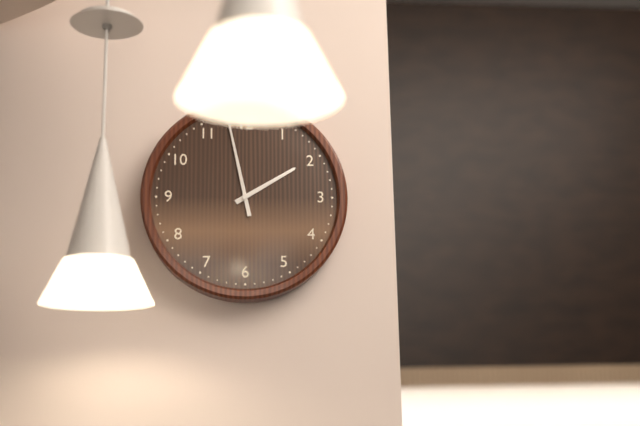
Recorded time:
{"hour": 1, "minute": 58}
